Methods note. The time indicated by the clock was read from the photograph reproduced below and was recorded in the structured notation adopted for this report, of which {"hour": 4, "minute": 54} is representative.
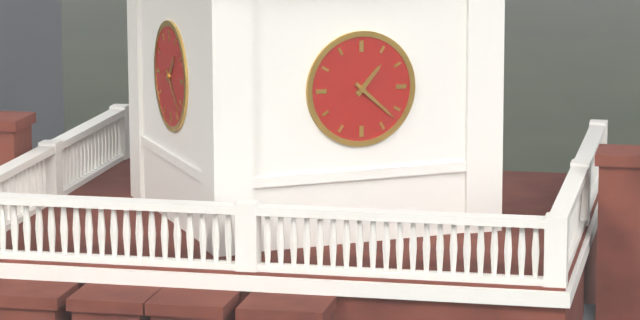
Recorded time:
{"hour": 1, "minute": 22}
